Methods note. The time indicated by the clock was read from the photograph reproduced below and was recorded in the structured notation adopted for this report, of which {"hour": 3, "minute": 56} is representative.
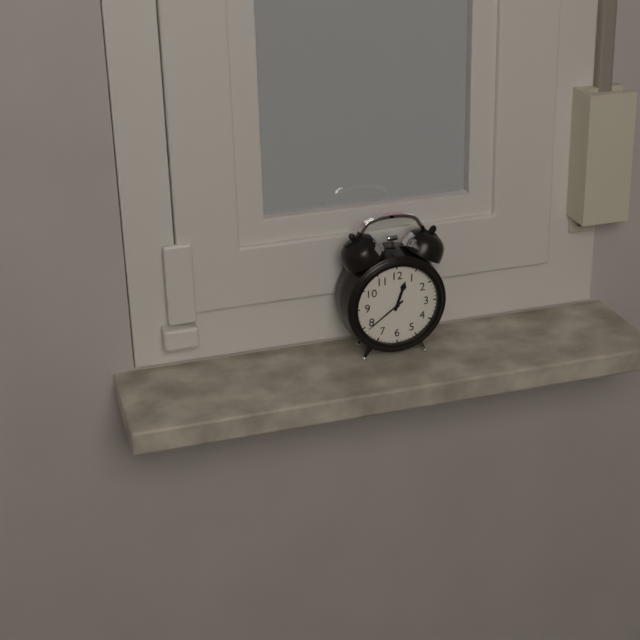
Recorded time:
{"hour": 12, "minute": 39}
